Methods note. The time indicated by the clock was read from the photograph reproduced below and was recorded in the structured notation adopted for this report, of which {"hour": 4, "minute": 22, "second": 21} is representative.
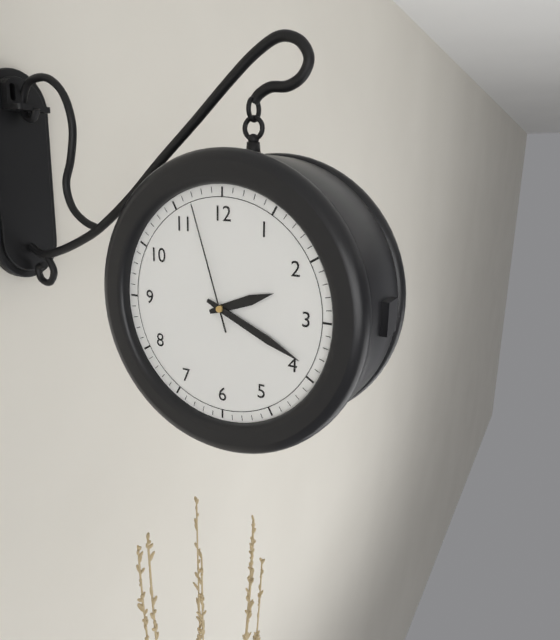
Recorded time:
{"hour": 2, "minute": 19, "second": 57}
